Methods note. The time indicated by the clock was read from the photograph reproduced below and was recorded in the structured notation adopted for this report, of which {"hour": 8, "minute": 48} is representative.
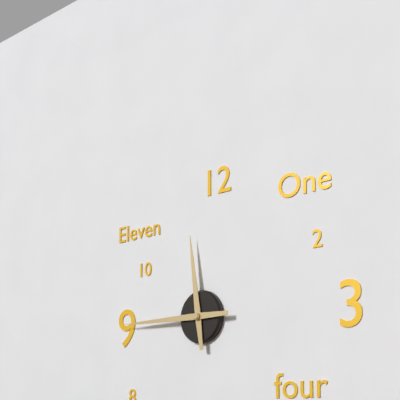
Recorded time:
{"hour": 11, "minute": 45}
